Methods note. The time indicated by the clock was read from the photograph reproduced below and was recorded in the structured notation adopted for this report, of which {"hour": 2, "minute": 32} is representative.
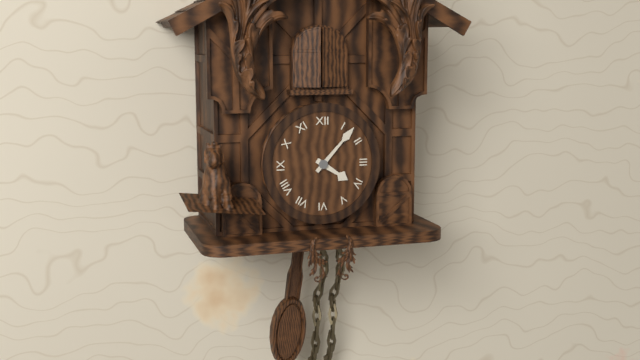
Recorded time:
{"hour": 4, "minute": 7}
